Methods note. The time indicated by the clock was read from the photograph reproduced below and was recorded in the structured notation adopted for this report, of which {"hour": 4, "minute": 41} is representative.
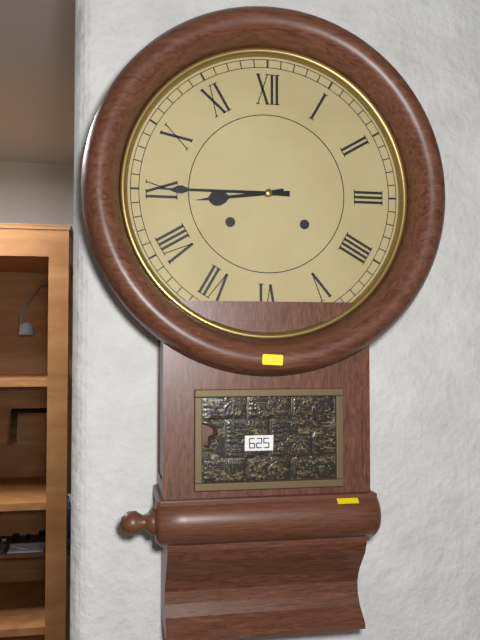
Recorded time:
{"hour": 8, "minute": 45}
